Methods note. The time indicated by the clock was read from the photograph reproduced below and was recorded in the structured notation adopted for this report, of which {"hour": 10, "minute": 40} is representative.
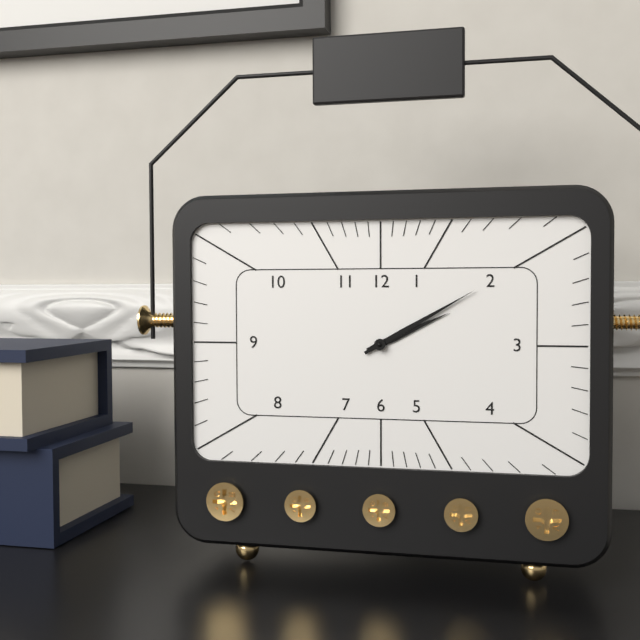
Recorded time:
{"hour": 2, "minute": 10}
